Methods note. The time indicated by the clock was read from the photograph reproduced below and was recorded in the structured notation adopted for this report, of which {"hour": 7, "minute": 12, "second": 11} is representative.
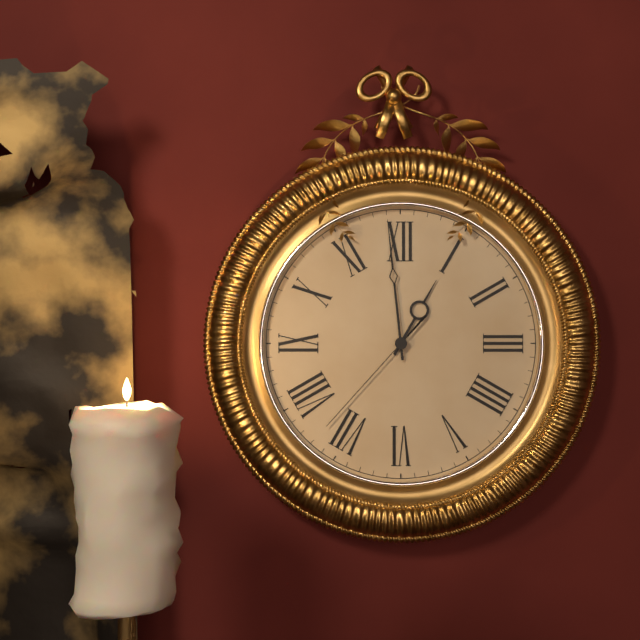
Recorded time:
{"hour": 12, "minute": 59, "second": 37}
